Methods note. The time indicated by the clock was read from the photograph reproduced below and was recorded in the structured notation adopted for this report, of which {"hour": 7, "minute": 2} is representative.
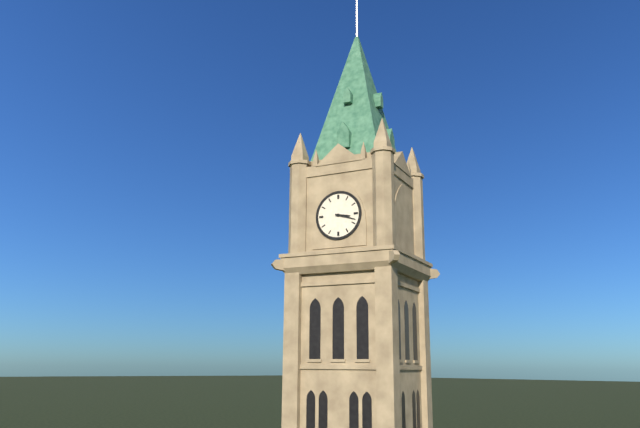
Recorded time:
{"hour": 3, "minute": 18}
